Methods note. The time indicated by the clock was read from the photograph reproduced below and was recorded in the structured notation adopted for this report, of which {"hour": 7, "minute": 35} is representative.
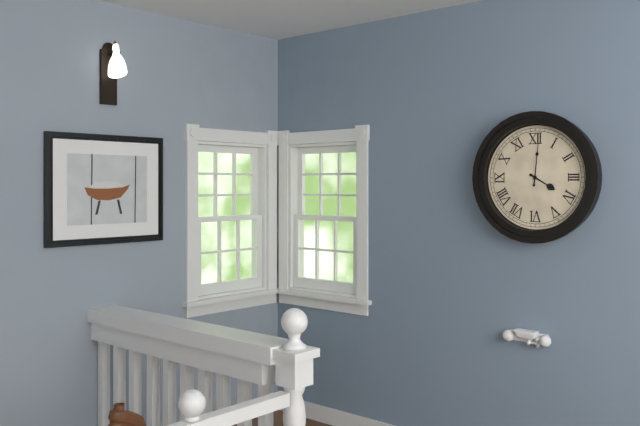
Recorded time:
{"hour": 4, "minute": 1}
